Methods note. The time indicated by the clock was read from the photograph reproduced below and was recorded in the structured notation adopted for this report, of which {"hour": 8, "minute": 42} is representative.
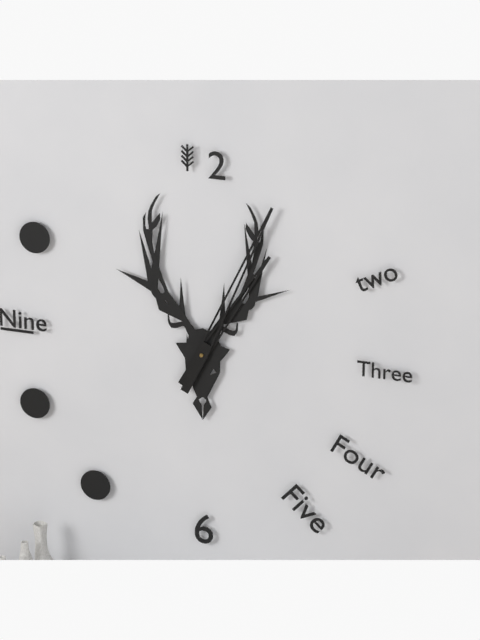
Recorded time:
{"hour": 1, "minute": 4}
